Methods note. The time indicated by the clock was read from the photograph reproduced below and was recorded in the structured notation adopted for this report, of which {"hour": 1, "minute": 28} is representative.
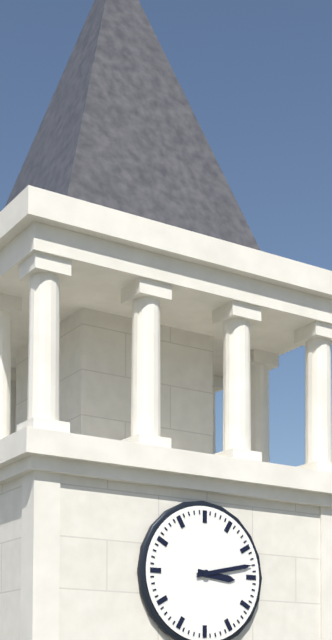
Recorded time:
{"hour": 3, "minute": 13}
